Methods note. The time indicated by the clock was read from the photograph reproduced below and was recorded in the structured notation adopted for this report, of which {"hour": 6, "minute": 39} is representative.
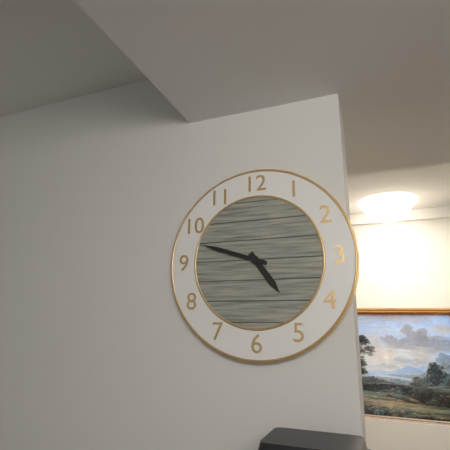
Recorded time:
{"hour": 4, "minute": 48}
